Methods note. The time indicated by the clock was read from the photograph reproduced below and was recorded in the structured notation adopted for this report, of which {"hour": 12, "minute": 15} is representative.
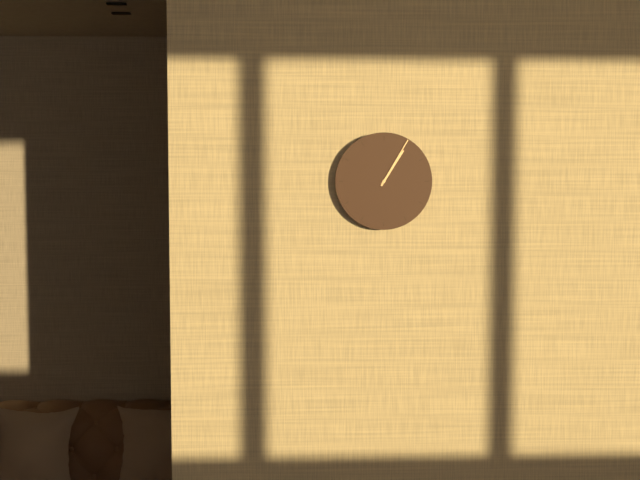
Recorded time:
{"hour": 1, "minute": 5}
